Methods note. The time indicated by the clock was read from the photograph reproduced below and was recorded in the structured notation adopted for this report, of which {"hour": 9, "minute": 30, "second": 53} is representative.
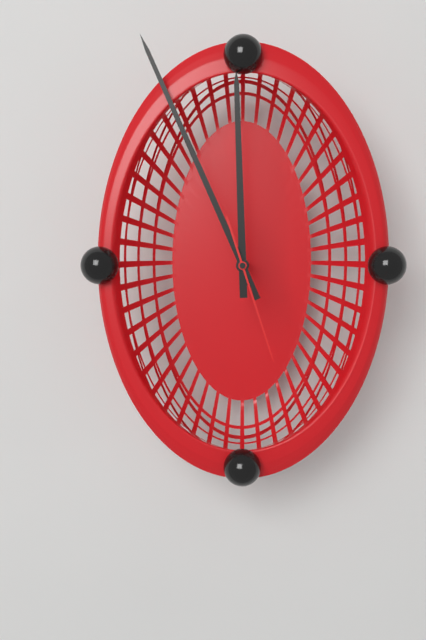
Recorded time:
{"hour": 11, "minute": 56, "second": 27}
